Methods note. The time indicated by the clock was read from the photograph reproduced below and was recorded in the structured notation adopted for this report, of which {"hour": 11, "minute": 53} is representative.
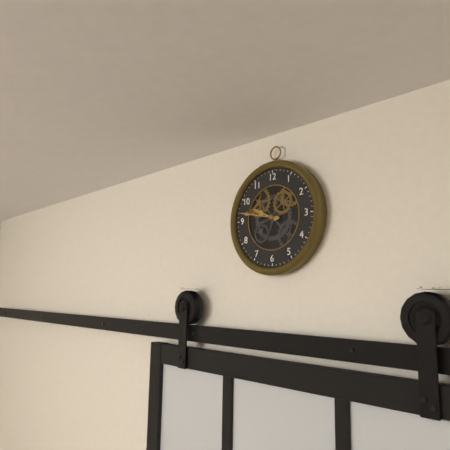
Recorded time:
{"hour": 9, "minute": 47}
